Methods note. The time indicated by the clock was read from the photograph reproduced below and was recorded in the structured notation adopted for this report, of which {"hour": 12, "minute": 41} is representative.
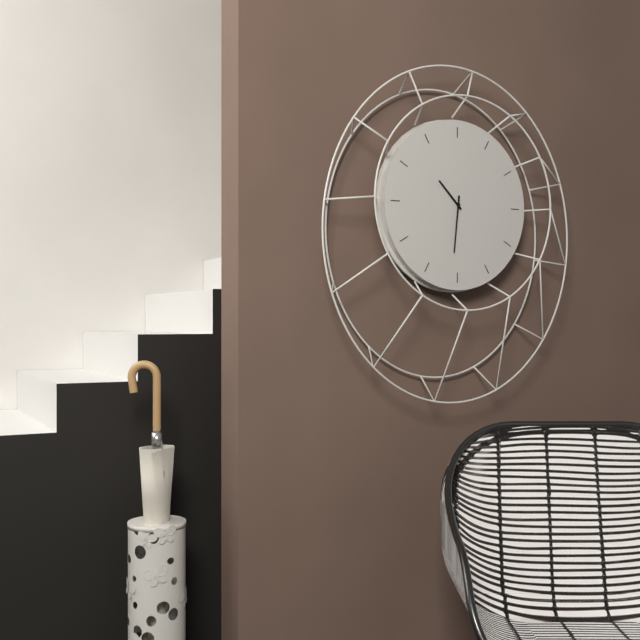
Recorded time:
{"hour": 10, "minute": 31}
